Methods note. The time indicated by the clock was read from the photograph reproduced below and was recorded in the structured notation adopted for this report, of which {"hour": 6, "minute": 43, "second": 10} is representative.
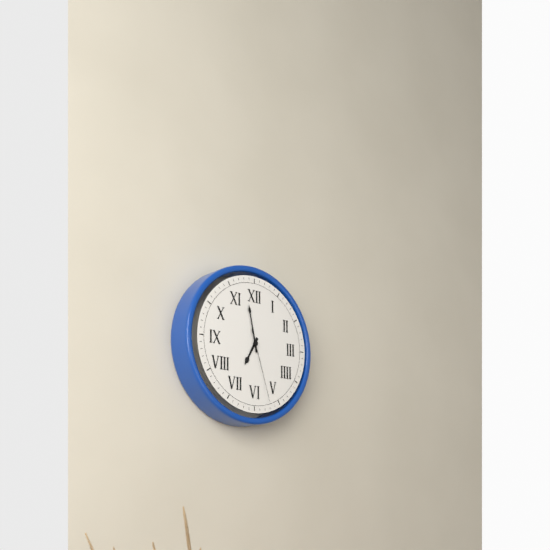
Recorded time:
{"hour": 6, "minute": 58, "second": 27}
